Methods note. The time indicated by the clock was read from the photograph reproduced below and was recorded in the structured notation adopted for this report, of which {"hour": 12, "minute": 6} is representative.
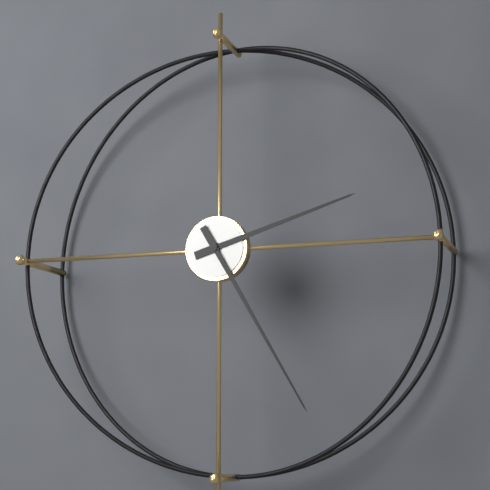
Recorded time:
{"hour": 2, "minute": 25}
